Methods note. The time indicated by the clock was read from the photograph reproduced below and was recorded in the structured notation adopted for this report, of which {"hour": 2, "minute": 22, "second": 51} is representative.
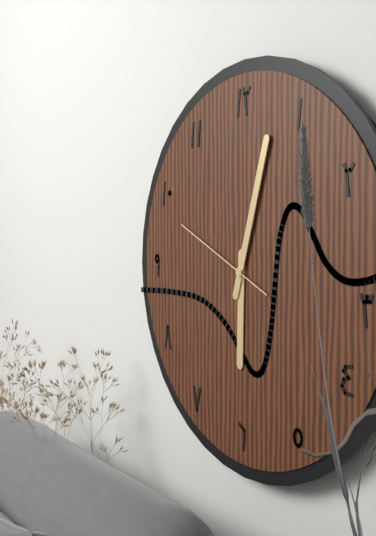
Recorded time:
{"hour": 6, "minute": 3, "second": 49}
